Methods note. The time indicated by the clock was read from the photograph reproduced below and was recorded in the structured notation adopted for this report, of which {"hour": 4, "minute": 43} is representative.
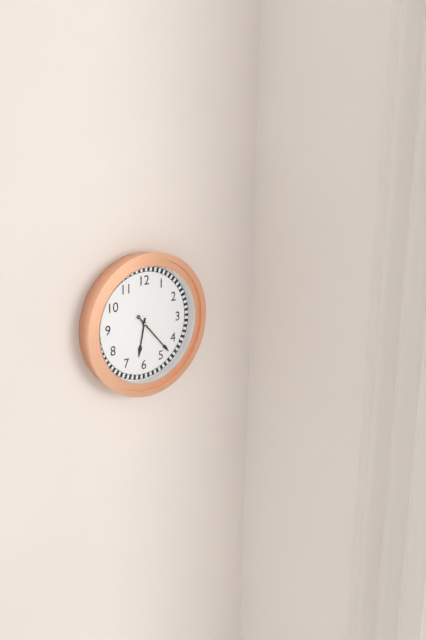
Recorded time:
{"hour": 6, "minute": 23}
